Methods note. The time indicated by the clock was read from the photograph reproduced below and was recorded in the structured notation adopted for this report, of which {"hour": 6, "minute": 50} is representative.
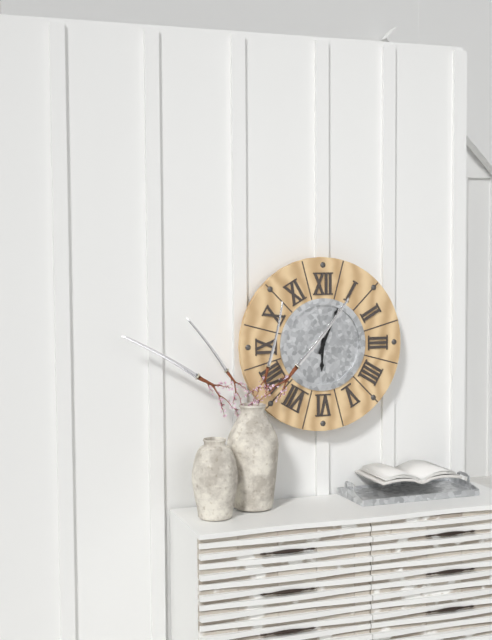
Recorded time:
{"hour": 6, "minute": 4}
